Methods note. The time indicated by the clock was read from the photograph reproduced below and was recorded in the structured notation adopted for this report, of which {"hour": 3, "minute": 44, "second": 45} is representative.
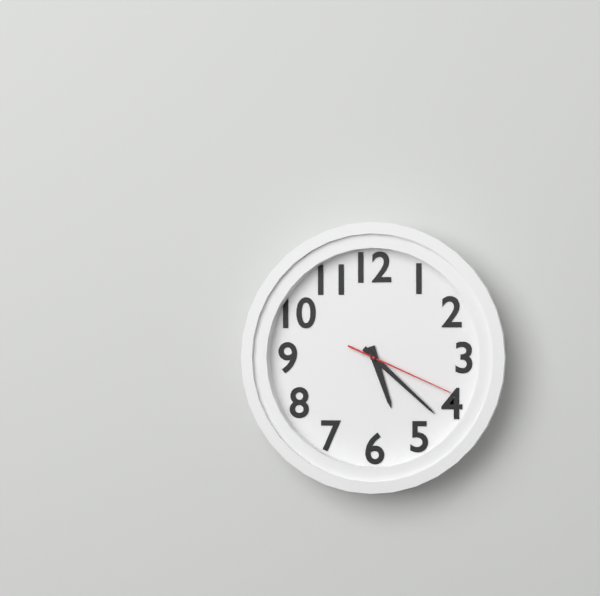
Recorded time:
{"hour": 5, "minute": 22, "second": 19}
